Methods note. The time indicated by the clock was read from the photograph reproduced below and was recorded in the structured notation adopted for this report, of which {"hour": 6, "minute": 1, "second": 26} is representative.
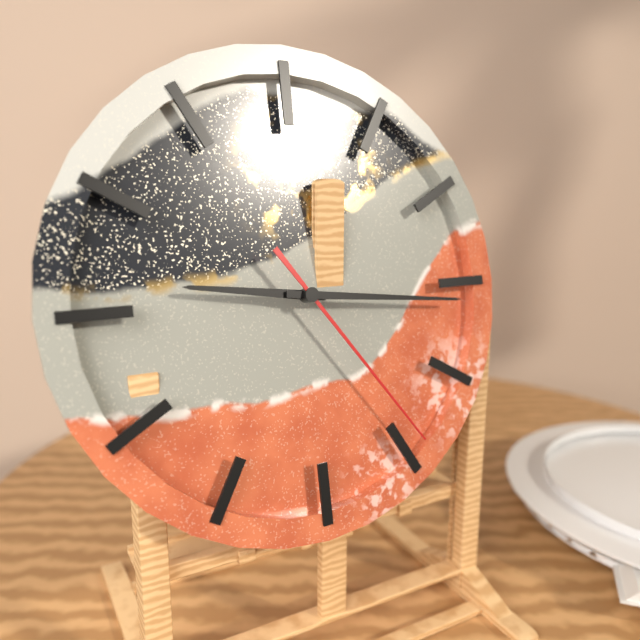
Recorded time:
{"hour": 9, "minute": 16, "second": 24}
